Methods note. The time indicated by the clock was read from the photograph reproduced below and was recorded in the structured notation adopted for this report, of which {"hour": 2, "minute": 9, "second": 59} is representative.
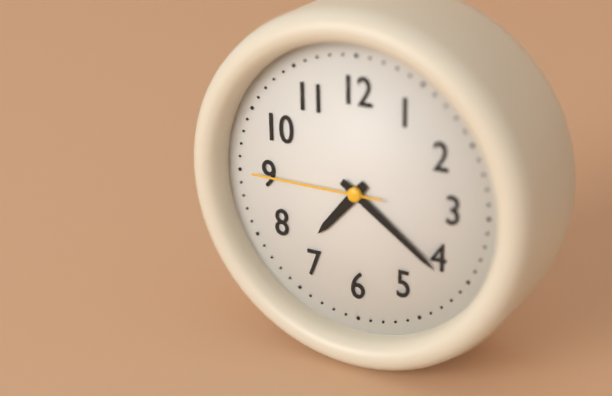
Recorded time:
{"hour": 7, "minute": 21, "second": 45}
